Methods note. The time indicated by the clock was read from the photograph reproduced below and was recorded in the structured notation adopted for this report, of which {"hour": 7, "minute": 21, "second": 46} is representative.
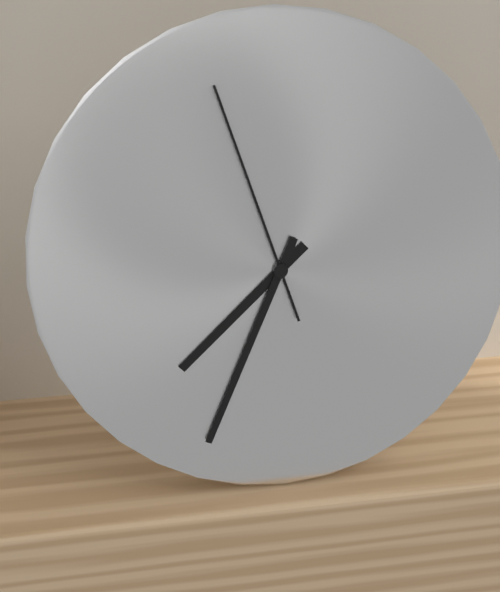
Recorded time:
{"hour": 7, "minute": 34, "second": 57}
